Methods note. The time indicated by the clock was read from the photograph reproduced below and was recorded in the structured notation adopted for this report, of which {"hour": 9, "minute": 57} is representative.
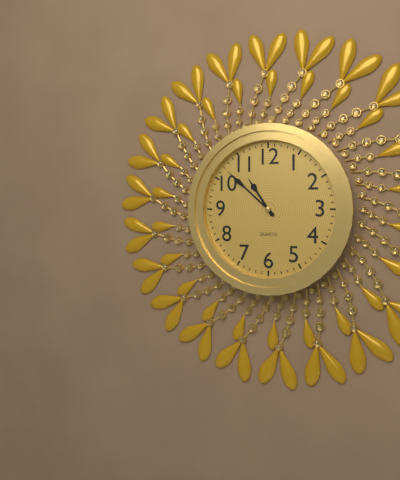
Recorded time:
{"hour": 10, "minute": 52}
